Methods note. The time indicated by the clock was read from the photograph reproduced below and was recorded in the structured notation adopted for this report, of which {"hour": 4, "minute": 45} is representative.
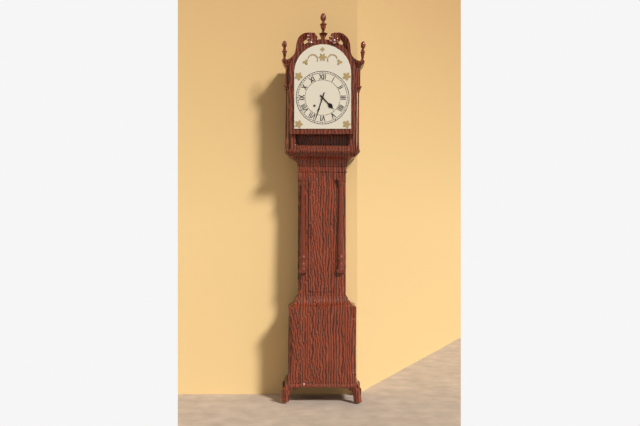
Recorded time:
{"hour": 4, "minute": 33}
